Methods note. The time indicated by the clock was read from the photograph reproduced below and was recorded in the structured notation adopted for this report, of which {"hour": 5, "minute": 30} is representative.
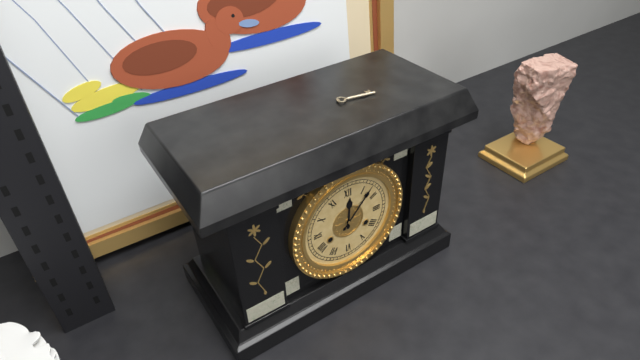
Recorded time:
{"hour": 12, "minute": 7}
